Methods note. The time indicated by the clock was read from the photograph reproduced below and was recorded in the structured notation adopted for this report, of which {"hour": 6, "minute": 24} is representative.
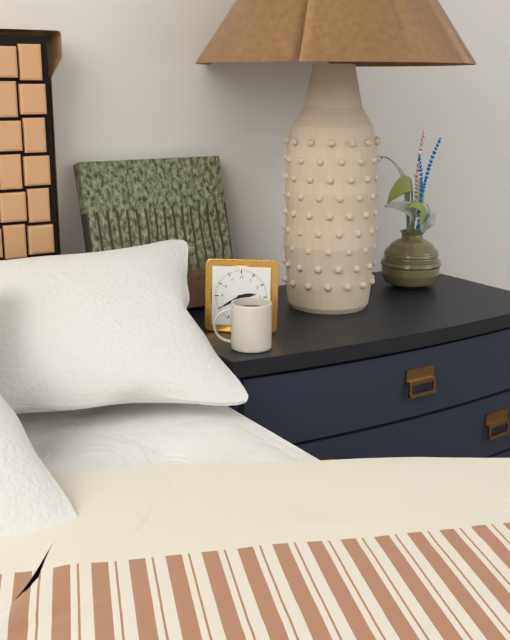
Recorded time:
{"hour": 2, "minute": 40}
